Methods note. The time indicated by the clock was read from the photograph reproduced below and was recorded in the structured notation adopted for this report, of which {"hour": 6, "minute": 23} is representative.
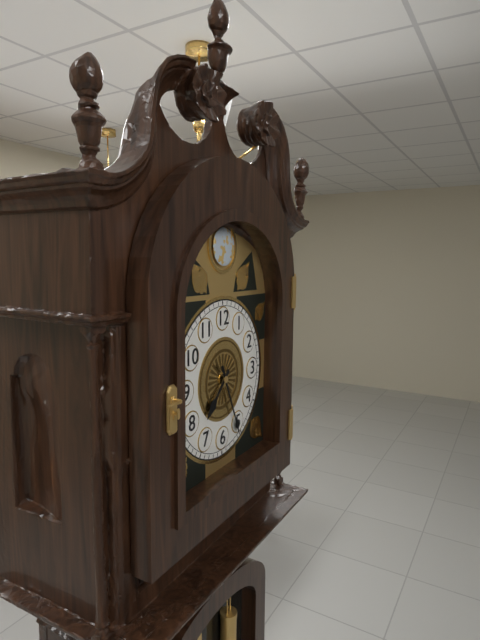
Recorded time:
{"hour": 7, "minute": 26}
